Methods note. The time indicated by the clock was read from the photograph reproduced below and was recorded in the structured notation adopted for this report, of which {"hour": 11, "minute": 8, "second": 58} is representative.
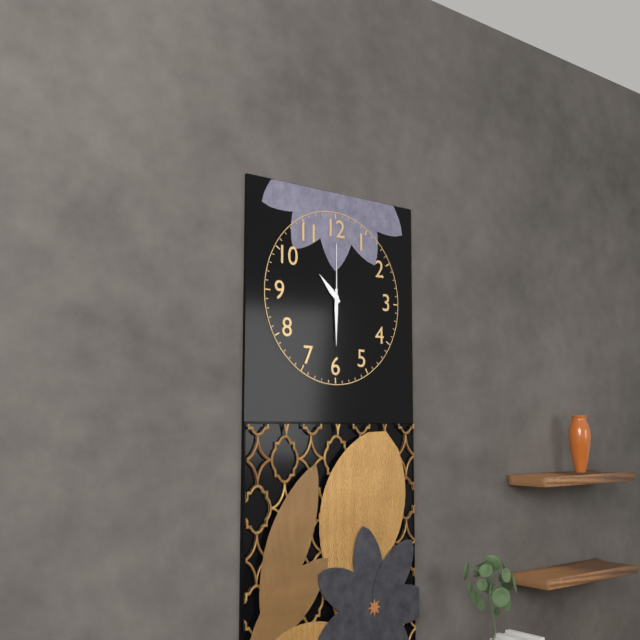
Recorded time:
{"hour": 10, "minute": 30, "second": 0}
